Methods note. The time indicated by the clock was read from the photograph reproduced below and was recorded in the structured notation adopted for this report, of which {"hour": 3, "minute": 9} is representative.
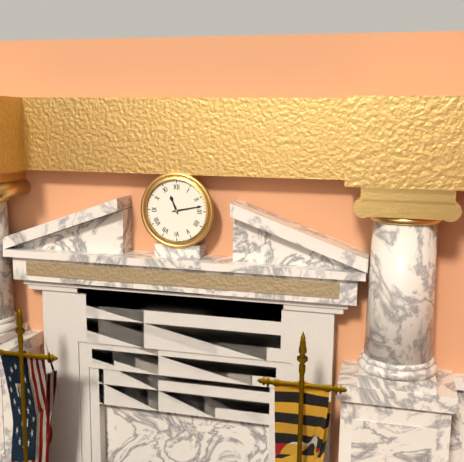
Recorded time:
{"hour": 11, "minute": 13}
